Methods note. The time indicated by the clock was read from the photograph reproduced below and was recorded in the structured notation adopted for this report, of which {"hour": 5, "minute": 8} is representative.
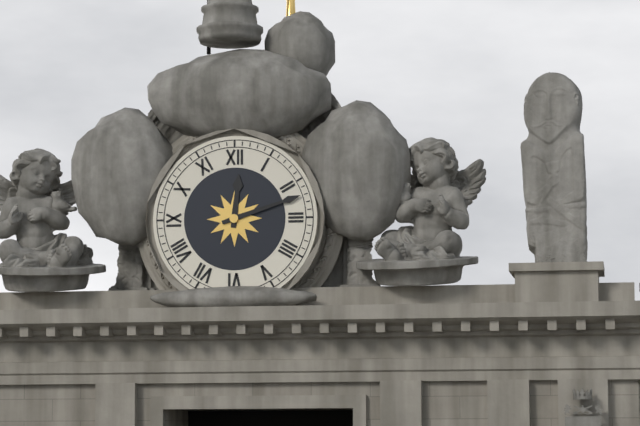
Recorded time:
{"hour": 12, "minute": 12}
